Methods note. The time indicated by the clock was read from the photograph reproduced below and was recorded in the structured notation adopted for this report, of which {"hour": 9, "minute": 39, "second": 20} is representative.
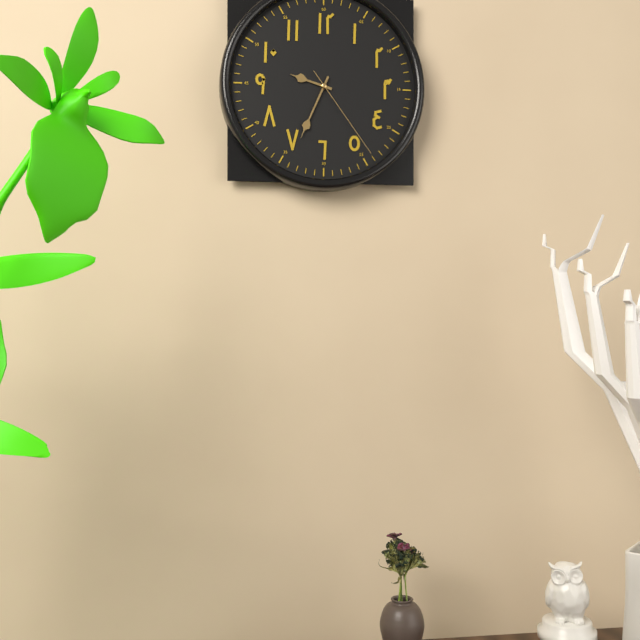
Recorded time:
{"hour": 9, "minute": 34, "second": 24}
